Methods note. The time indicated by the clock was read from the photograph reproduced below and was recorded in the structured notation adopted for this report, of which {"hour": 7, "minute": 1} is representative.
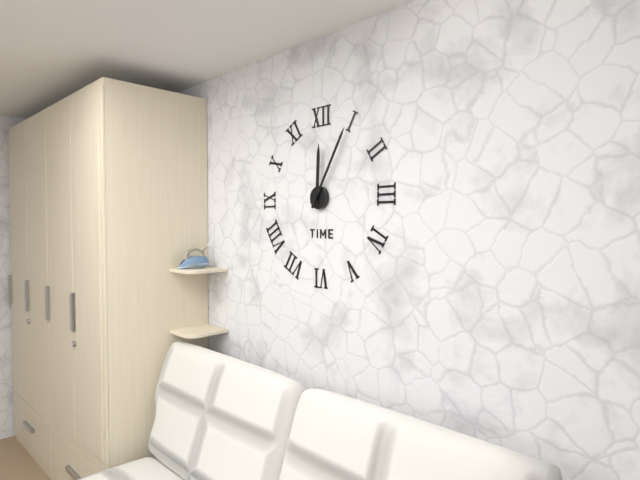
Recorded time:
{"hour": 12, "minute": 5}
